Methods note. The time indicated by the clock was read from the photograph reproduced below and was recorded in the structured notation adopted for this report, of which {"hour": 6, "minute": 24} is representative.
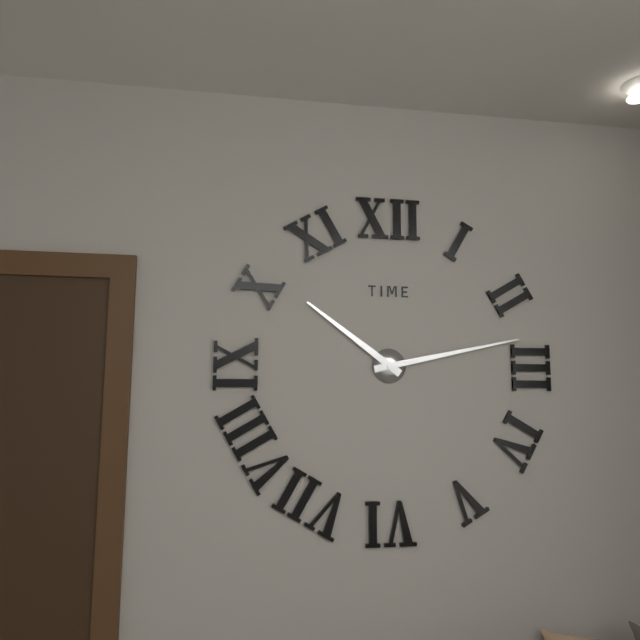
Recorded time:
{"hour": 10, "minute": 13}
